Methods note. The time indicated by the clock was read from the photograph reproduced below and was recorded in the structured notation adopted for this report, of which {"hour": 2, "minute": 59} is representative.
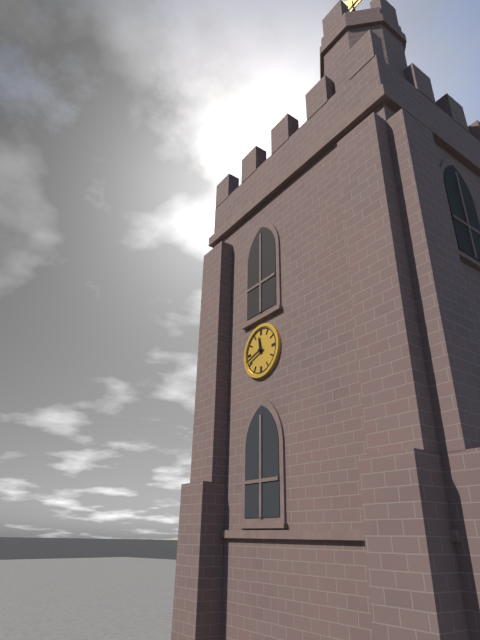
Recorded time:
{"hour": 11, "minute": 42}
